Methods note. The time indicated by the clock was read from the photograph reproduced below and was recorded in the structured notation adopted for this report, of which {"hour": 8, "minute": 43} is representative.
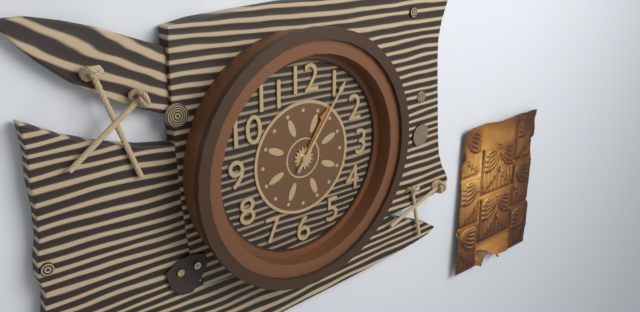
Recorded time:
{"hour": 1, "minute": 6}
